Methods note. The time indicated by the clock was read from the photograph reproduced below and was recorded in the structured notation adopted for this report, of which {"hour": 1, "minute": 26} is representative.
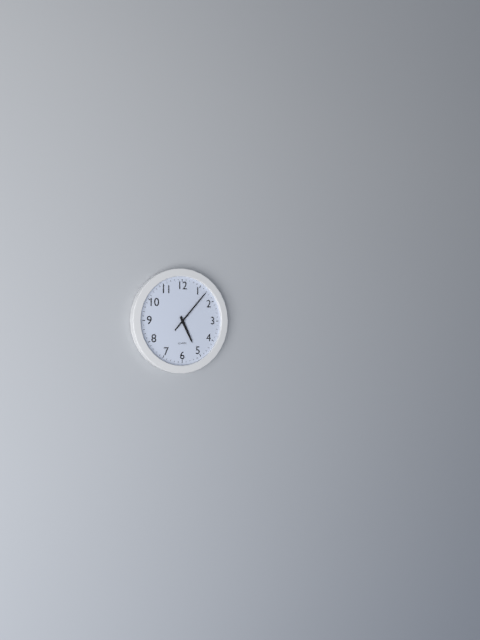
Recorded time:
{"hour": 5, "minute": 7}
